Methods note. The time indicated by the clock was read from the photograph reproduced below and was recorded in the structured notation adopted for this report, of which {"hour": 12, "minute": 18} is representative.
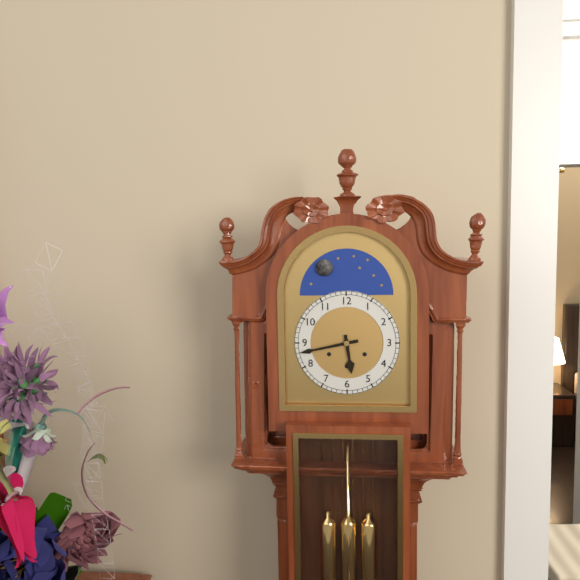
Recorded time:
{"hour": 5, "minute": 43}
